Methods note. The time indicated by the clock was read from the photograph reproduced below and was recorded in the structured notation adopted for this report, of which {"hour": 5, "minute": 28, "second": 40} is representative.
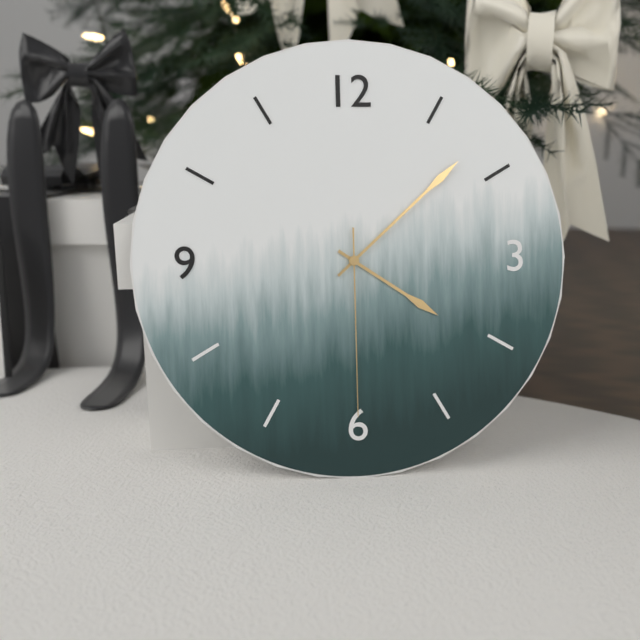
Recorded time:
{"hour": 4, "minute": 8, "second": 30}
